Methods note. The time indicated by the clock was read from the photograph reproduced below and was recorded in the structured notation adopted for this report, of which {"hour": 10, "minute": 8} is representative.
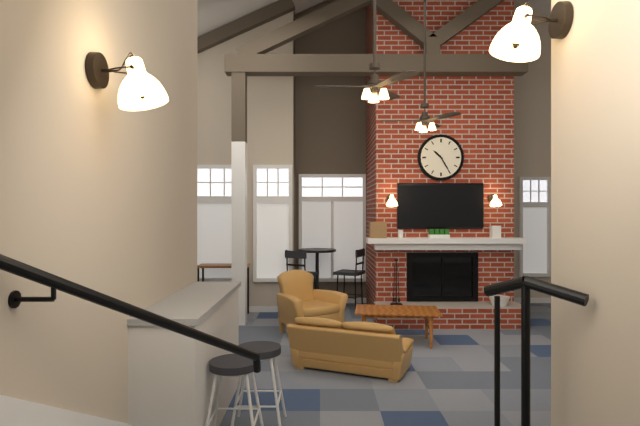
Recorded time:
{"hour": 10, "minute": 25}
